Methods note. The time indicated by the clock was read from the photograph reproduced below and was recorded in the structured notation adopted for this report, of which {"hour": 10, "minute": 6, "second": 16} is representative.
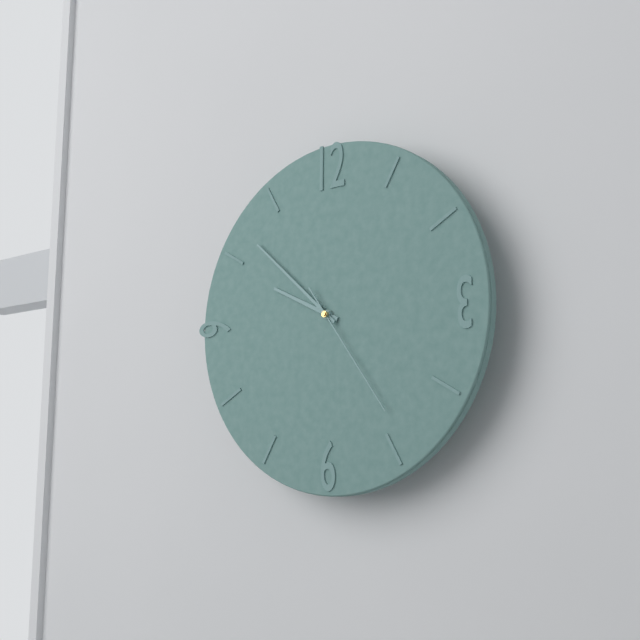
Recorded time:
{"hour": 9, "minute": 52, "second": 24}
